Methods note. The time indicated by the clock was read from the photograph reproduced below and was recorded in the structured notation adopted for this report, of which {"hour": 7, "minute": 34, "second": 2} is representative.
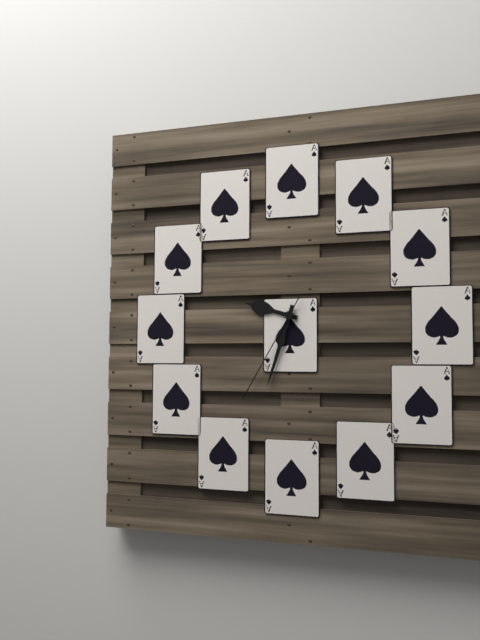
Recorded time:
{"hour": 9, "minute": 33, "second": 35}
